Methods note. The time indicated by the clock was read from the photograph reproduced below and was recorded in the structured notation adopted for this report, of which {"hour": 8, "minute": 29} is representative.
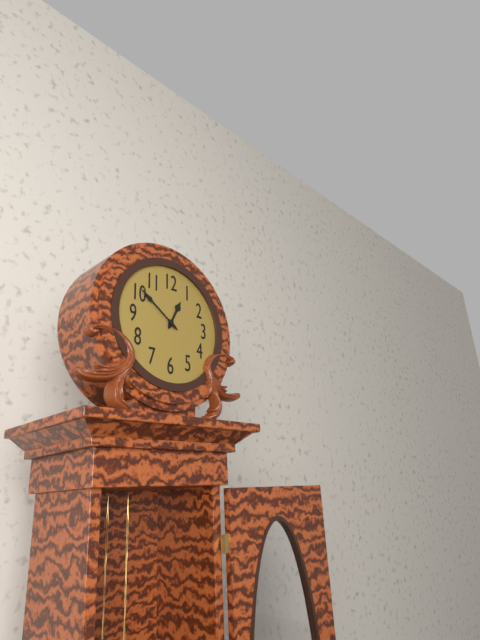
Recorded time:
{"hour": 12, "minute": 51}
